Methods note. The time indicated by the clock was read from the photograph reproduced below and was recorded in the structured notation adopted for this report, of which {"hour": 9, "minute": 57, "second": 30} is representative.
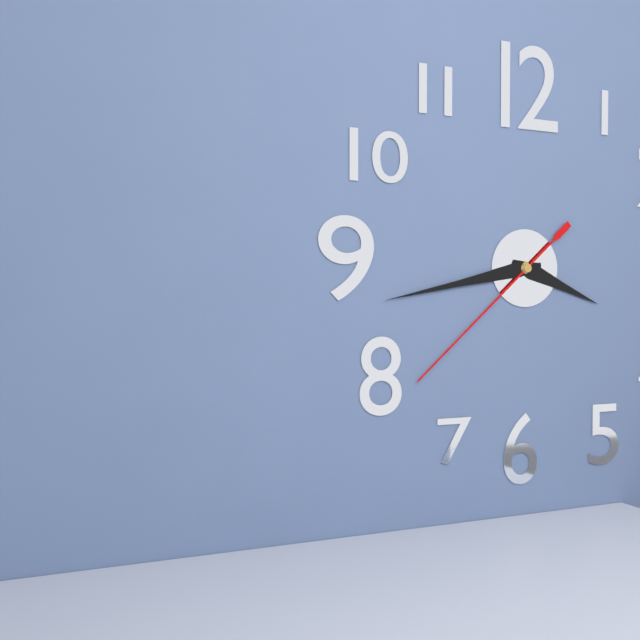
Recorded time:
{"hour": 3, "minute": 43, "second": 38}
